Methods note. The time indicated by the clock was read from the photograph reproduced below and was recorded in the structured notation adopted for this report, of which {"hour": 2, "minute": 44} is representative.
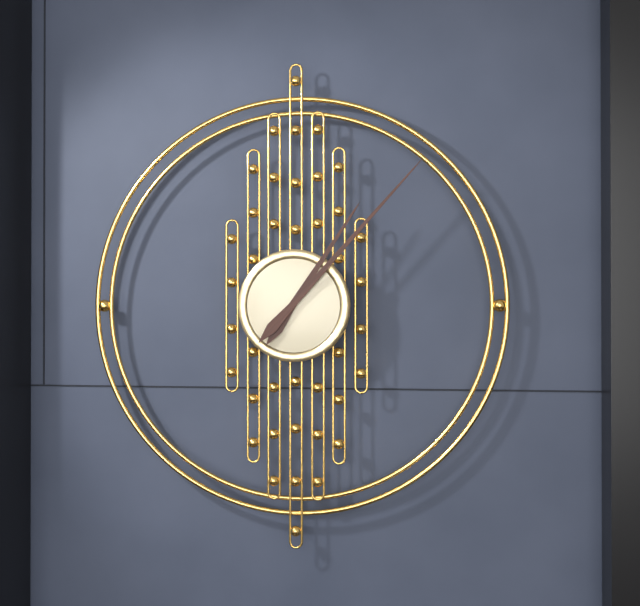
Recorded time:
{"hour": 1, "minute": 7}
